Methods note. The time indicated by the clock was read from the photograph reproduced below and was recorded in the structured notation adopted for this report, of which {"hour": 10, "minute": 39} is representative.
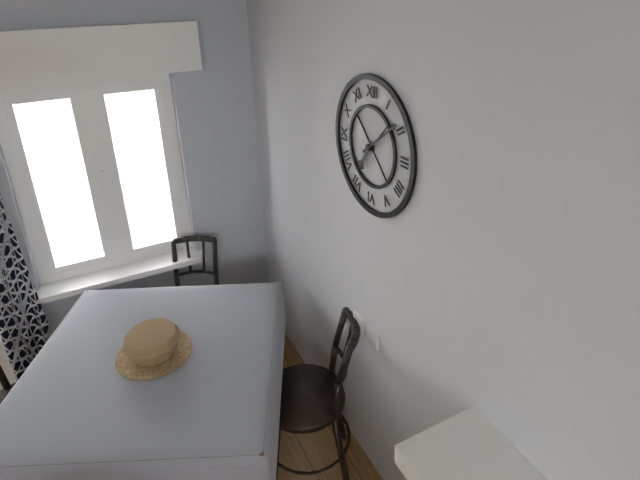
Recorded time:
{"hour": 7, "minute": 9}
